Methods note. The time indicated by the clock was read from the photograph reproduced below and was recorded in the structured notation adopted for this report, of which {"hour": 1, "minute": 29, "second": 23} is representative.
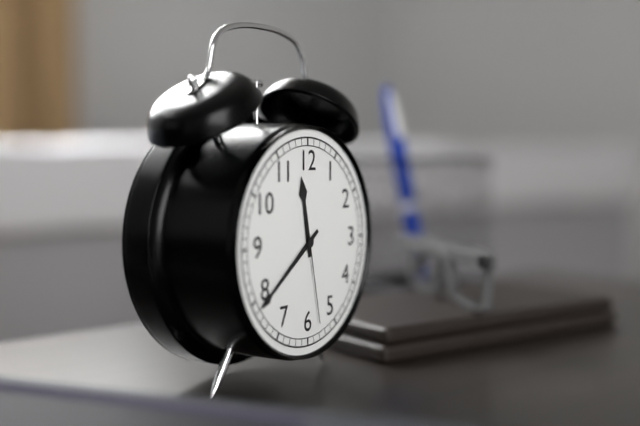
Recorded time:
{"hour": 11, "minute": 39, "second": 28}
